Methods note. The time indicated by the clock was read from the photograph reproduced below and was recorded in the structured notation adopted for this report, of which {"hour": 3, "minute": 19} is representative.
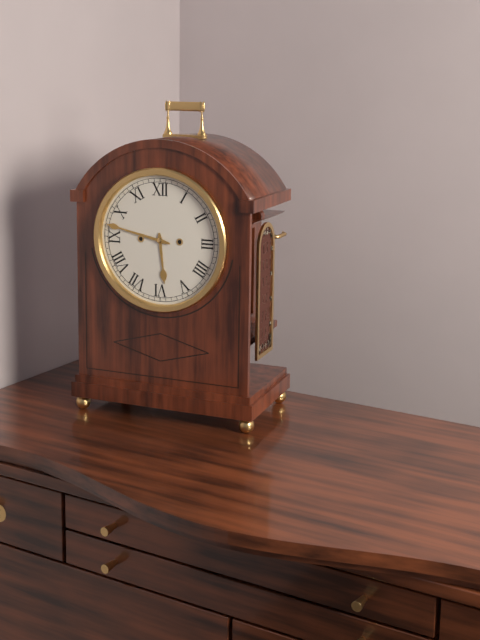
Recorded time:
{"hour": 5, "minute": 47}
